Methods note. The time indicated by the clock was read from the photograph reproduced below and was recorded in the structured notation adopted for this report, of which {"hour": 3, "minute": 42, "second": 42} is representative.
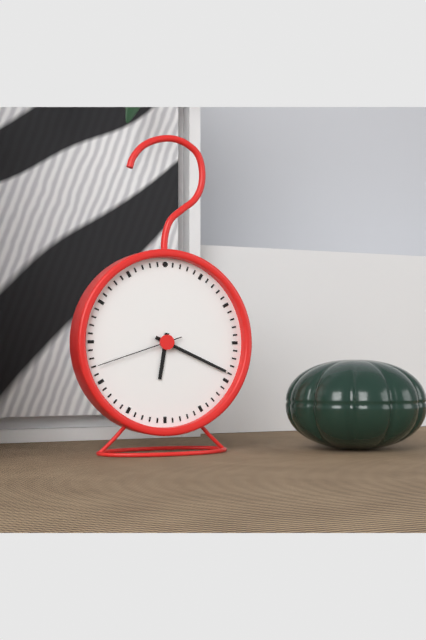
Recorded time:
{"hour": 6, "minute": 19, "second": 42}
